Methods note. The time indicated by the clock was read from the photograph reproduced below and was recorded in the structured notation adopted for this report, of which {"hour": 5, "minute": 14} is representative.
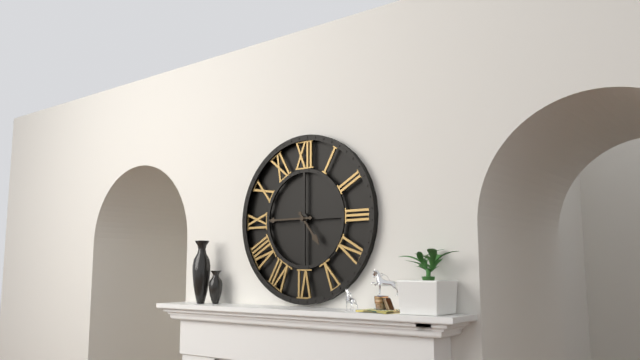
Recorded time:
{"hour": 4, "minute": 45}
